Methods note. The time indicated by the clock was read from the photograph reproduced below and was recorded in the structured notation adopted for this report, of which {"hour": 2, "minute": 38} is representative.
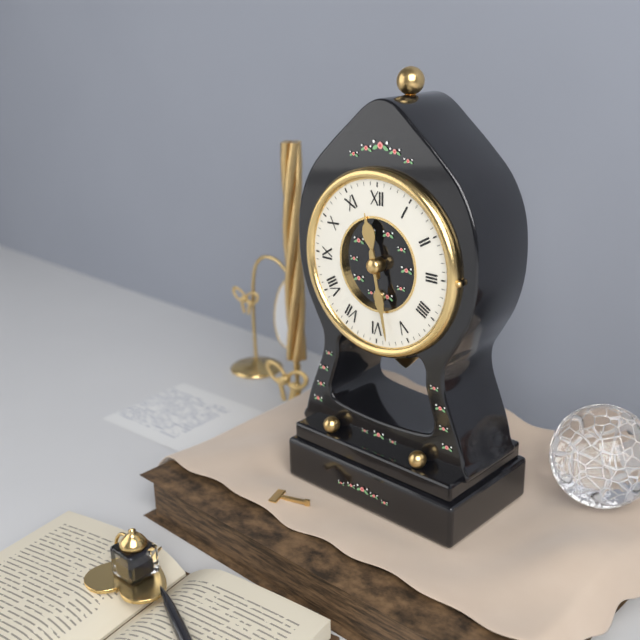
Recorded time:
{"hour": 11, "minute": 28}
